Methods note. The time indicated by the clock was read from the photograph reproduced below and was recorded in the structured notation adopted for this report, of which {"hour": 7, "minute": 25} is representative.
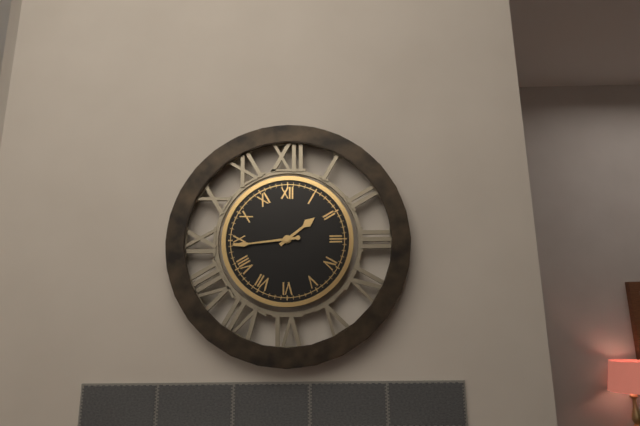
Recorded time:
{"hour": 1, "minute": 44}
